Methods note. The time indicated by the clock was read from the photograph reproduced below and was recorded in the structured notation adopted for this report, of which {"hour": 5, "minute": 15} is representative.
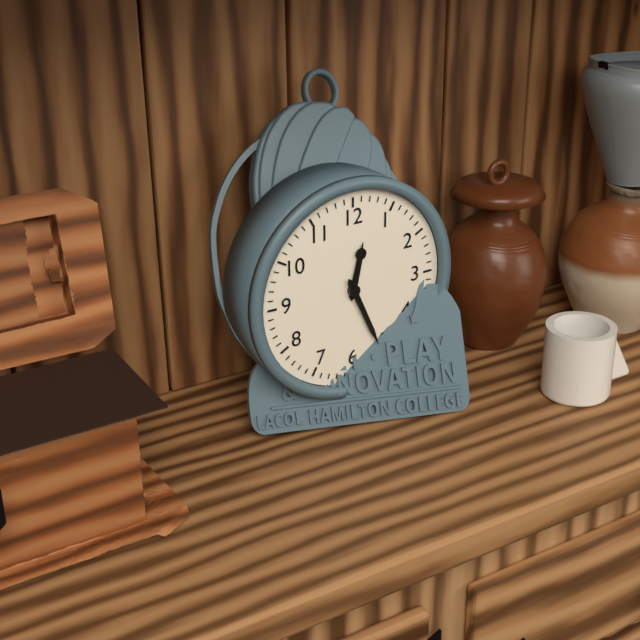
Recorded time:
{"hour": 12, "minute": 26}
